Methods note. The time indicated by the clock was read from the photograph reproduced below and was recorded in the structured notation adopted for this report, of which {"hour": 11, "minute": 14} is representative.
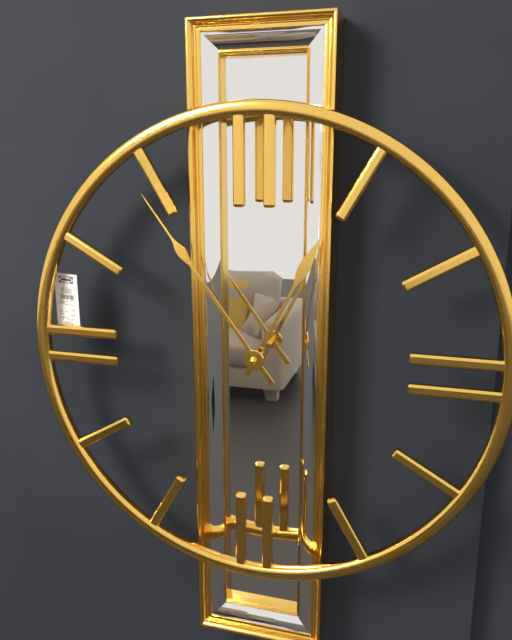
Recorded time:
{"hour": 12, "minute": 54}
